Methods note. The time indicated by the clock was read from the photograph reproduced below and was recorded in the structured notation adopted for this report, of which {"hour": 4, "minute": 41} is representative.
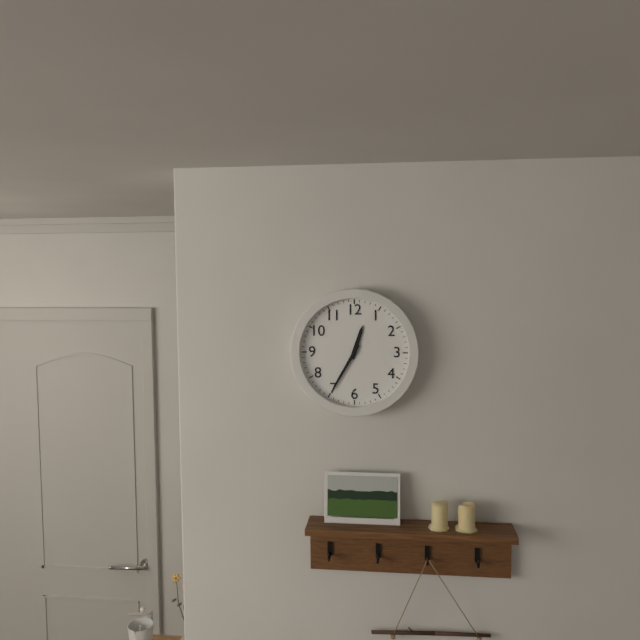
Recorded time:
{"hour": 12, "minute": 35}
